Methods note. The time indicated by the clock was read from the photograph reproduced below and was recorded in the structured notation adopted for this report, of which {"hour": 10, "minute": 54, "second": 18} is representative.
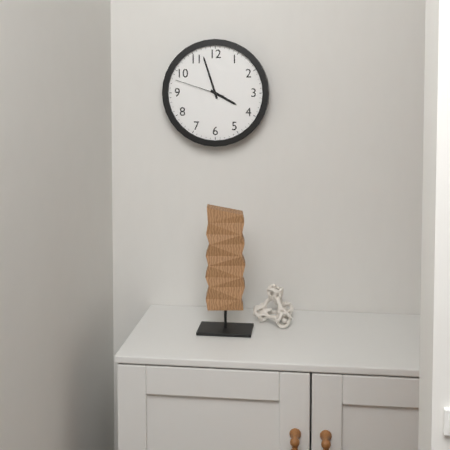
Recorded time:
{"hour": 3, "minute": 57, "second": 48}
